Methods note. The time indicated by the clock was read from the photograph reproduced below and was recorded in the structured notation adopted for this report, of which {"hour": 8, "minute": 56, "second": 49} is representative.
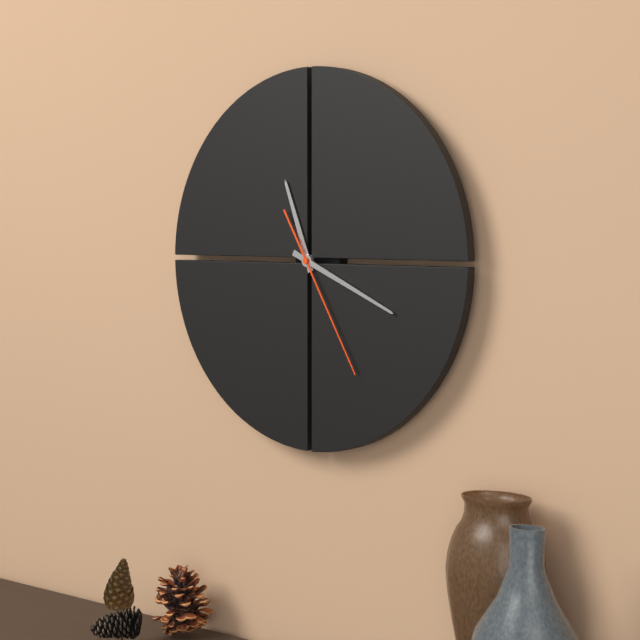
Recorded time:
{"hour": 11, "minute": 19, "second": 25}
